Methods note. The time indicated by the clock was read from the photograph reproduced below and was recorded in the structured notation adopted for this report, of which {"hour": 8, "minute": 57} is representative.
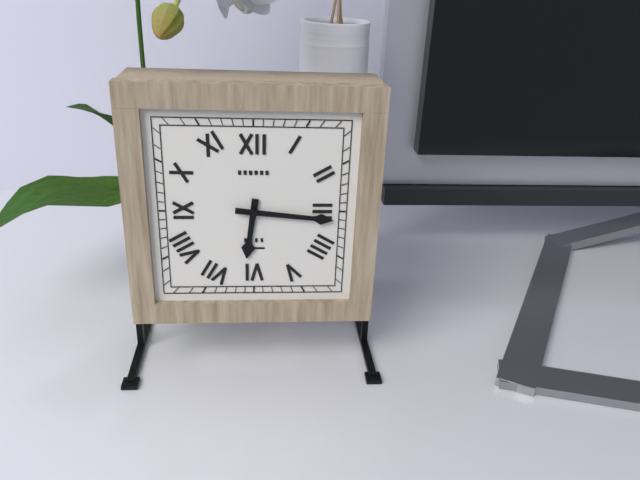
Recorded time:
{"hour": 6, "minute": 16}
